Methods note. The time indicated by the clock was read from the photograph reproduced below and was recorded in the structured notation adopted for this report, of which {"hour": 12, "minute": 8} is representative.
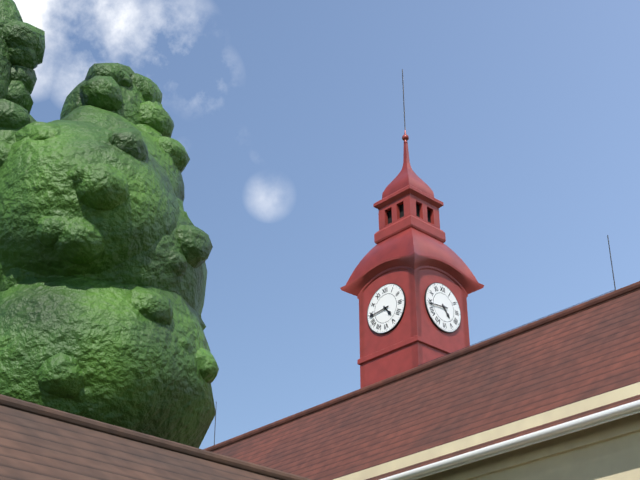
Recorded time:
{"hour": 4, "minute": 44}
